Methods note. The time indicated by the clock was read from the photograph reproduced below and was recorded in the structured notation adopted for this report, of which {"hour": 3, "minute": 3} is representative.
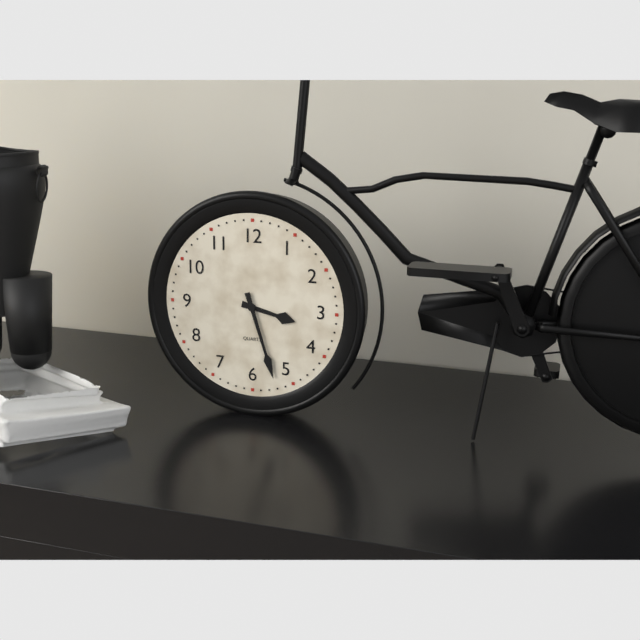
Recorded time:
{"hour": 3, "minute": 27}
